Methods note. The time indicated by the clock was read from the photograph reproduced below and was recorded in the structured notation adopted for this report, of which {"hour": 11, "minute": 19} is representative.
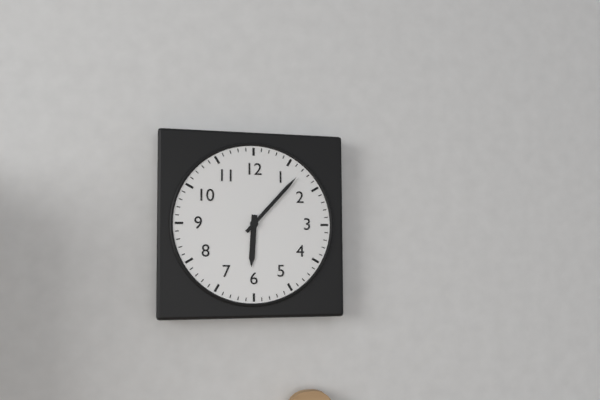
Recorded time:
{"hour": 6, "minute": 7}
